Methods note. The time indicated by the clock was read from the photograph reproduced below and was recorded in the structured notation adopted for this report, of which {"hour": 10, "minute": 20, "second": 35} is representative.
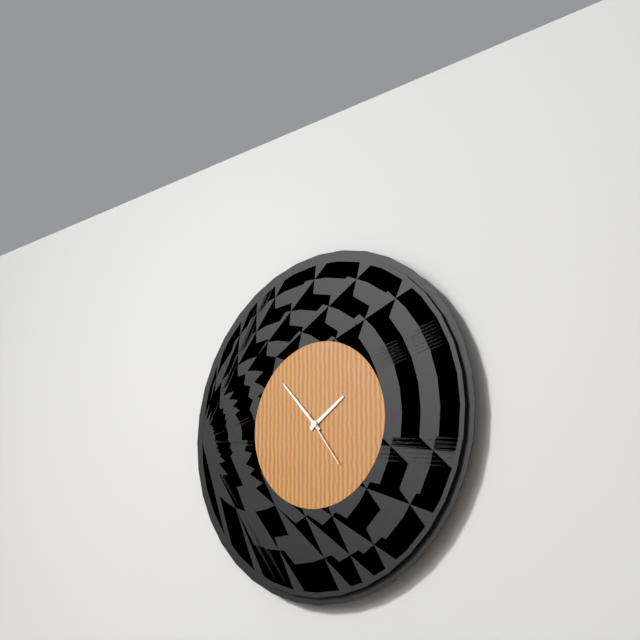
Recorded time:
{"hour": 1, "minute": 53, "second": 24}
